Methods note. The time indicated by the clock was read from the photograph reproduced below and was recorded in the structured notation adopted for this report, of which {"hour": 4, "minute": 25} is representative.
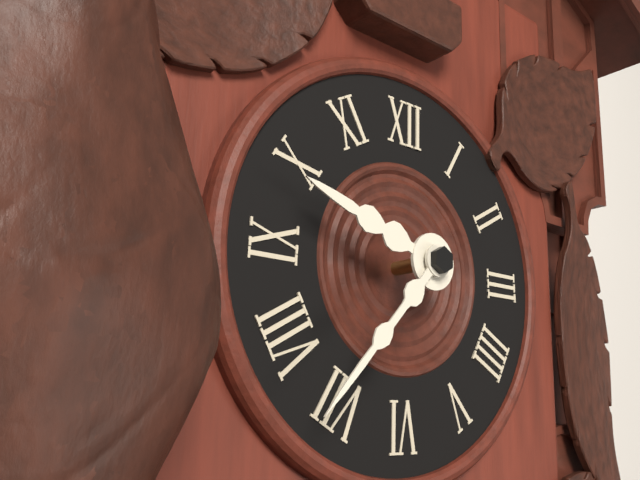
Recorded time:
{"hour": 9, "minute": 37}
